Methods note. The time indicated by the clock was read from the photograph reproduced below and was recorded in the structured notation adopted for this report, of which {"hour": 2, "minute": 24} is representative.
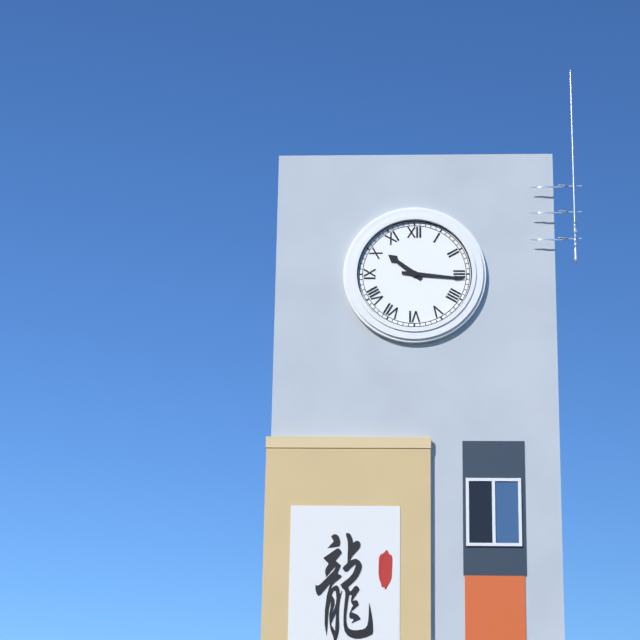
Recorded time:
{"hour": 10, "minute": 16}
